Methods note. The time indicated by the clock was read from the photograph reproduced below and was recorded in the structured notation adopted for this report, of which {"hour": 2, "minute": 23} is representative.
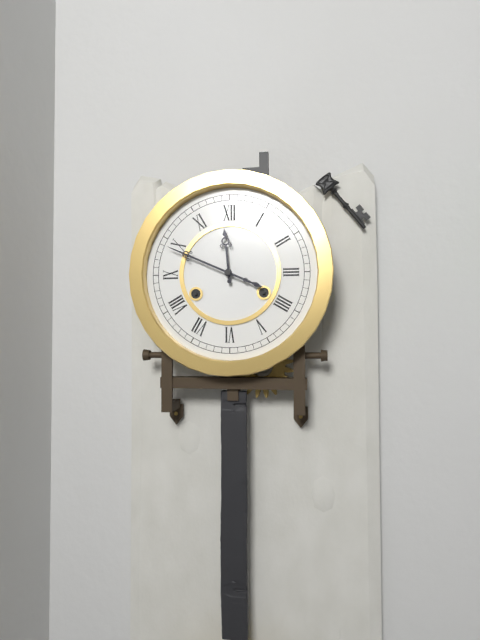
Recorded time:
{"hour": 11, "minute": 49}
